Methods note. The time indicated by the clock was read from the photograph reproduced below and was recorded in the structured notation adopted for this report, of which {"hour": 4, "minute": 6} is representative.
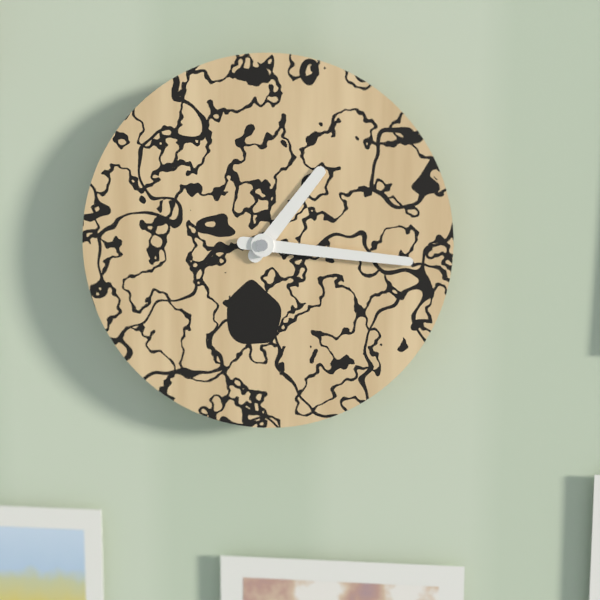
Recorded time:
{"hour": 1, "minute": 16}
